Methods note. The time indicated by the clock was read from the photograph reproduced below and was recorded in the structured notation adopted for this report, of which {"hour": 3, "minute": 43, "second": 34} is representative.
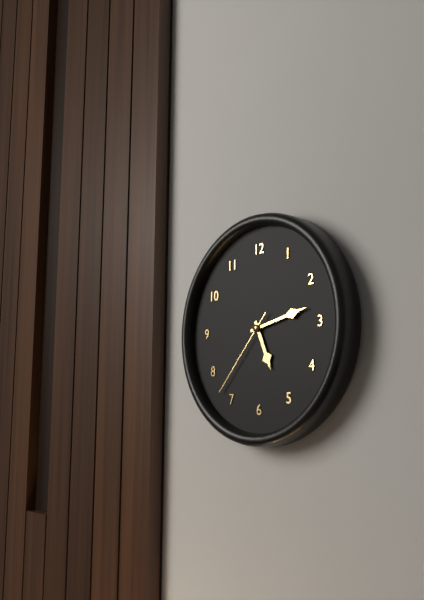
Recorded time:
{"hour": 5, "minute": 13, "second": 37}
